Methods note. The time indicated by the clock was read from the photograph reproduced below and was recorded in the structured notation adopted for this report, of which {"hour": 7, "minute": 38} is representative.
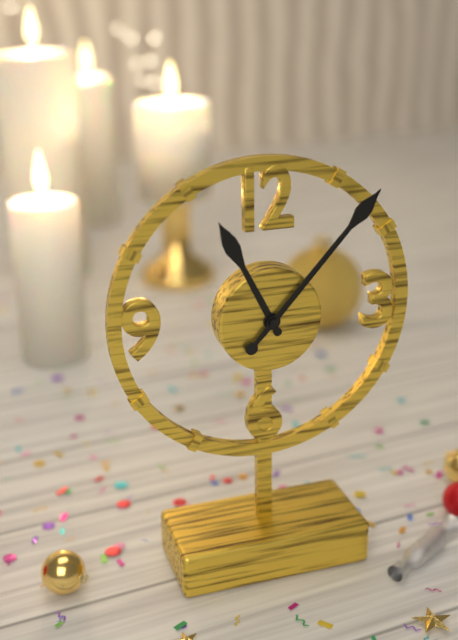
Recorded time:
{"hour": 11, "minute": 7}
